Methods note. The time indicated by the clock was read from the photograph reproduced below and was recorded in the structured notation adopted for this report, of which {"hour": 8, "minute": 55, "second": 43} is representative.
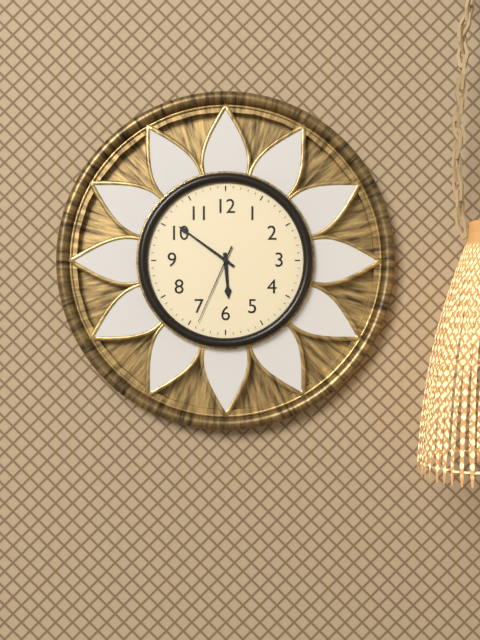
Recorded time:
{"hour": 5, "minute": 51, "second": 34}
